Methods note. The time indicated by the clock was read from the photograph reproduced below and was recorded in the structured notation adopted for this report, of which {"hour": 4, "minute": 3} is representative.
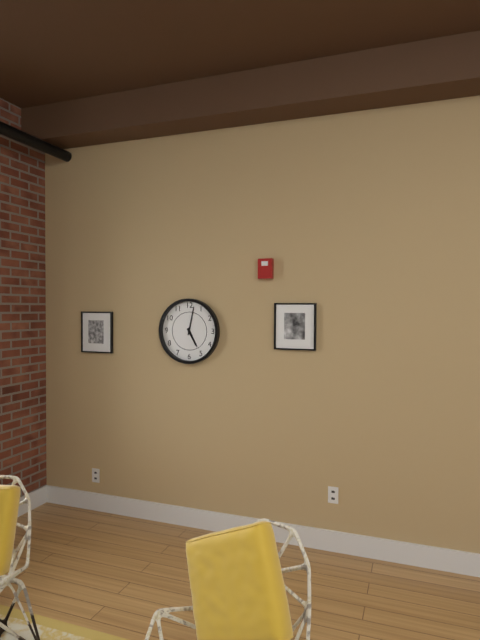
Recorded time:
{"hour": 5, "minute": 2}
